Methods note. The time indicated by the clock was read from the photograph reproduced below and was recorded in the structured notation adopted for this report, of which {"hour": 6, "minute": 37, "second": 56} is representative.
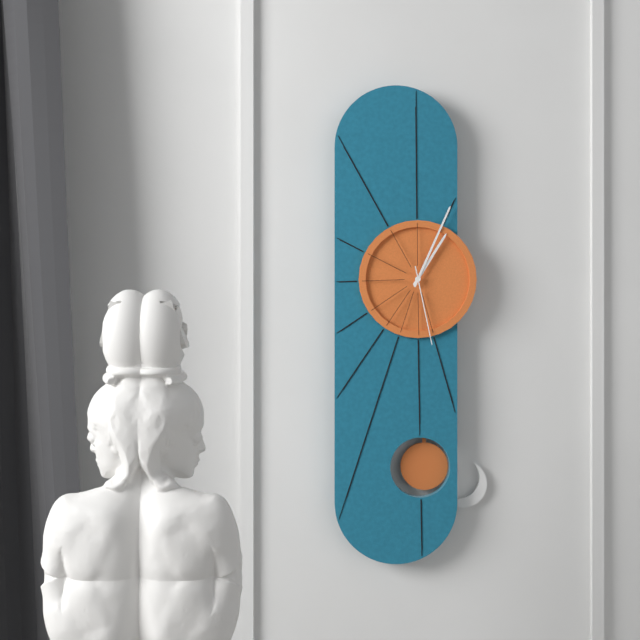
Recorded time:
{"hour": 1, "minute": 4, "second": 28}
